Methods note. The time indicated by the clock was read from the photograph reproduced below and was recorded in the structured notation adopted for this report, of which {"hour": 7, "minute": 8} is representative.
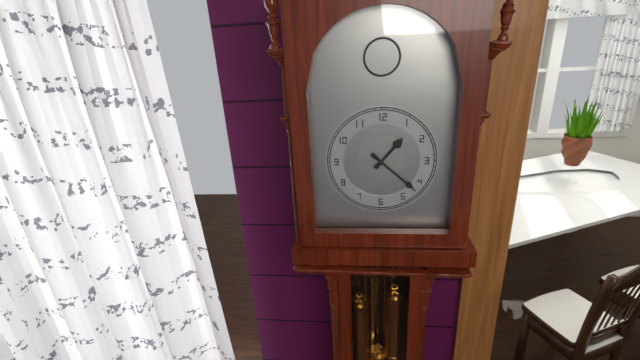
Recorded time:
{"hour": 1, "minute": 22}
